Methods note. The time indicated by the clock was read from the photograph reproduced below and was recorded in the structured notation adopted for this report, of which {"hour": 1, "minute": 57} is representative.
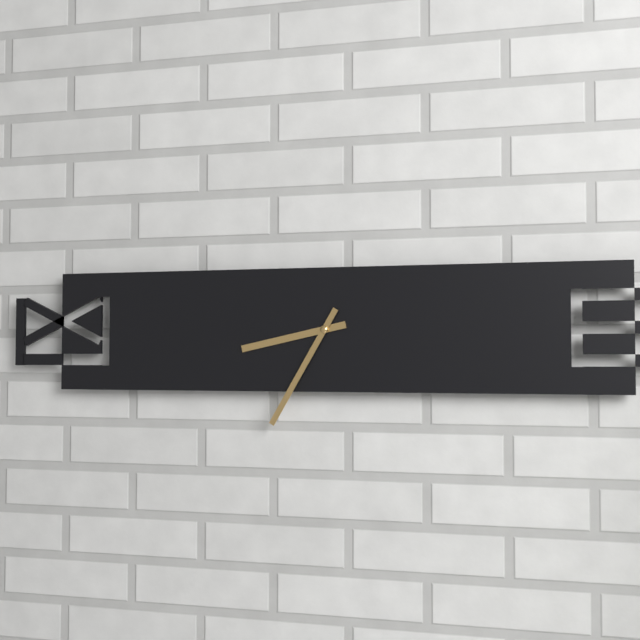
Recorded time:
{"hour": 8, "minute": 35}
